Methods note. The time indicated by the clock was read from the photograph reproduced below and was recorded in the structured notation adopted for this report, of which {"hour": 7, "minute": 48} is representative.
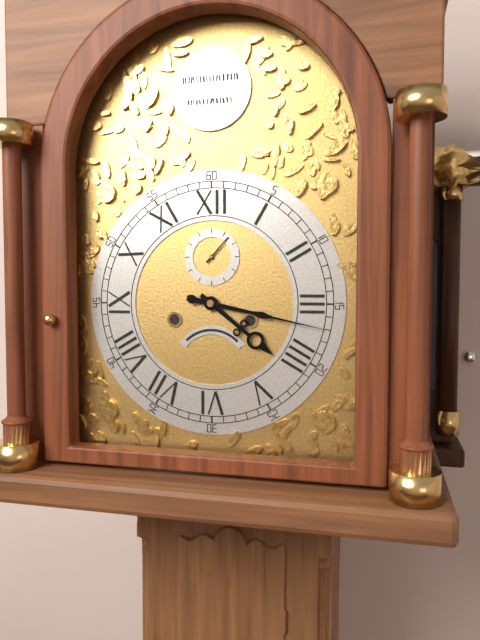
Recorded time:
{"hour": 4, "minute": 17}
